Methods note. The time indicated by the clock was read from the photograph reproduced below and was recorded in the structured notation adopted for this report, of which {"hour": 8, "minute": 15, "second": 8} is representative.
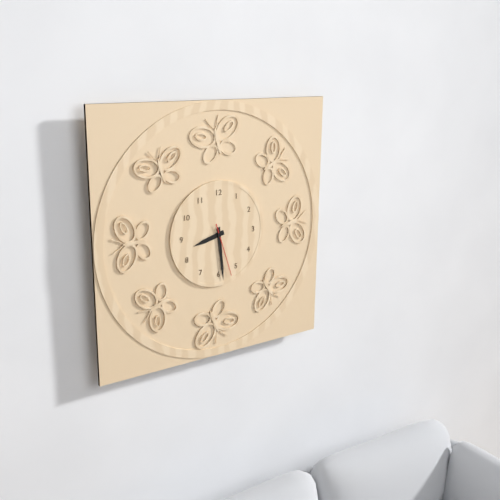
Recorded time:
{"hour": 8, "minute": 29, "second": 27}
